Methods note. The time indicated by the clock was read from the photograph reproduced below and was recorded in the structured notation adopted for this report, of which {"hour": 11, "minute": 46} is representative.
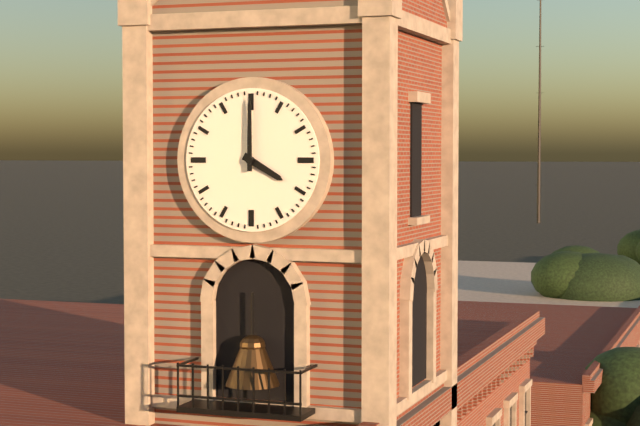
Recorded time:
{"hour": 4, "minute": 0}
